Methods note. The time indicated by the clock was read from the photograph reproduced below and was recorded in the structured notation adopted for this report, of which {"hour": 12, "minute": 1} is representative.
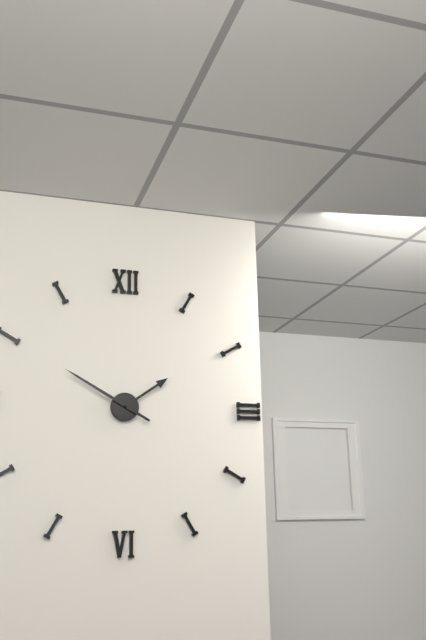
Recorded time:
{"hour": 1, "minute": 50}
